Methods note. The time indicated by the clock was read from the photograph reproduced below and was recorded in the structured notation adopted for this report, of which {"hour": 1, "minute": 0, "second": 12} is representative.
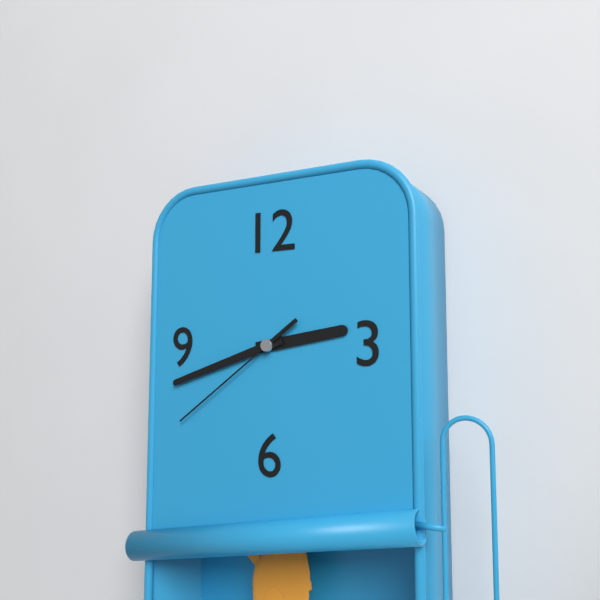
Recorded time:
{"hour": 2, "minute": 42, "second": 39}
